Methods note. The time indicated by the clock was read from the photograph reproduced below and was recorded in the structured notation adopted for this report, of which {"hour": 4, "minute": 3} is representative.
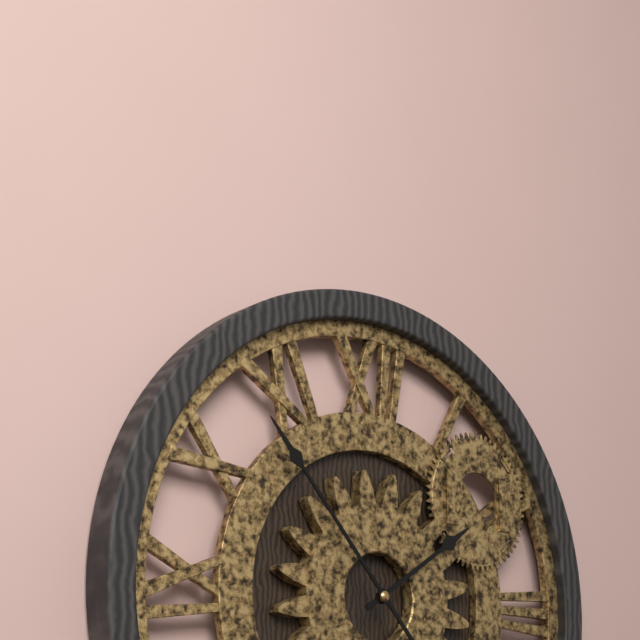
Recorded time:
{"hour": 1, "minute": 53}
